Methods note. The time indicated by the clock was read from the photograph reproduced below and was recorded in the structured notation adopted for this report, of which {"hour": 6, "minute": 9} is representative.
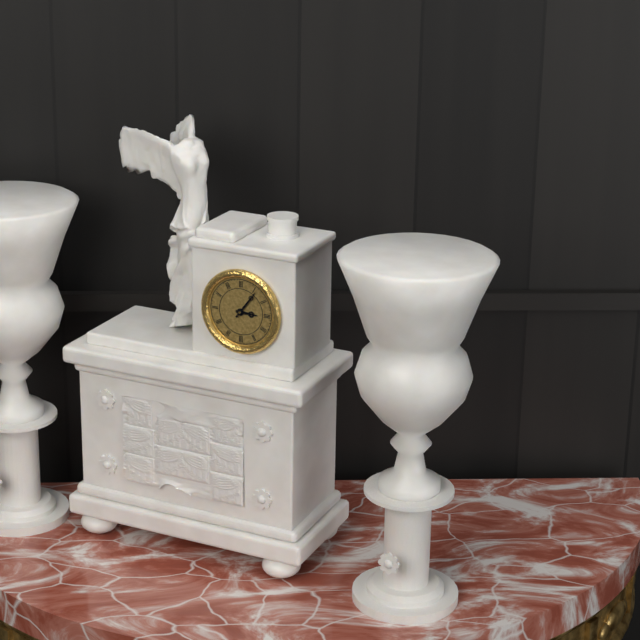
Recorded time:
{"hour": 3, "minute": 6}
